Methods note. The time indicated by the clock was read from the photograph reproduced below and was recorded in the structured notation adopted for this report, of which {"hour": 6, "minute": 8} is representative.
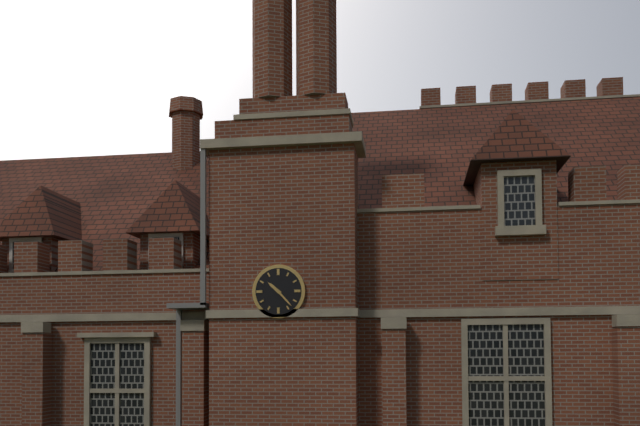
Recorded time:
{"hour": 10, "minute": 23}
